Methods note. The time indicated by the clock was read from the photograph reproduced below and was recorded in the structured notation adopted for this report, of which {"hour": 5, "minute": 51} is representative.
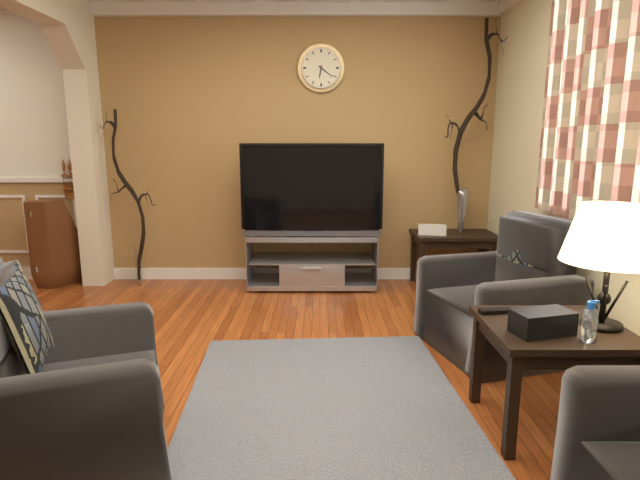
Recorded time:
{"hour": 6, "minute": 21}
